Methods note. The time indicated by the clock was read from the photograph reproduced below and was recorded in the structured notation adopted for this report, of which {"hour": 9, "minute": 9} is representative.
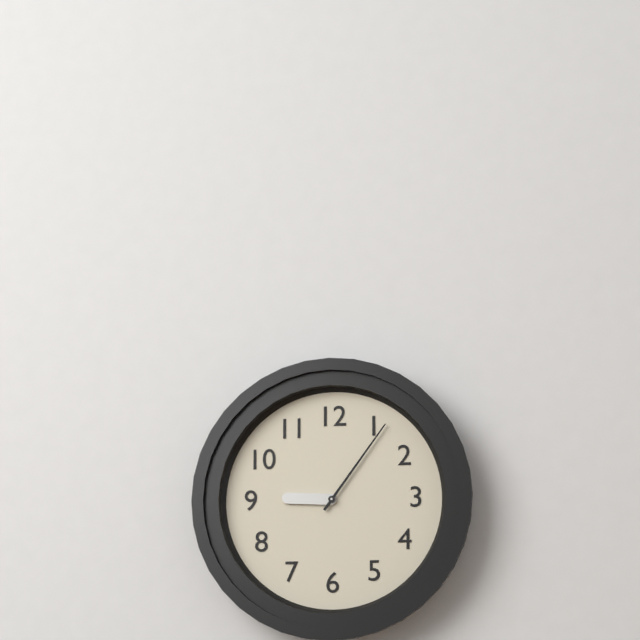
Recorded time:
{"hour": 9, "minute": 6}
